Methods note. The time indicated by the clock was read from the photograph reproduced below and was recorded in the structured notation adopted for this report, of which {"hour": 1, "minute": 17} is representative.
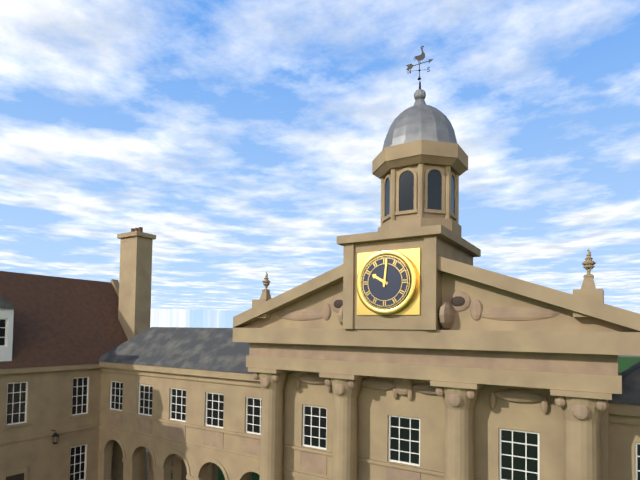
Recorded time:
{"hour": 10, "minute": 1}
